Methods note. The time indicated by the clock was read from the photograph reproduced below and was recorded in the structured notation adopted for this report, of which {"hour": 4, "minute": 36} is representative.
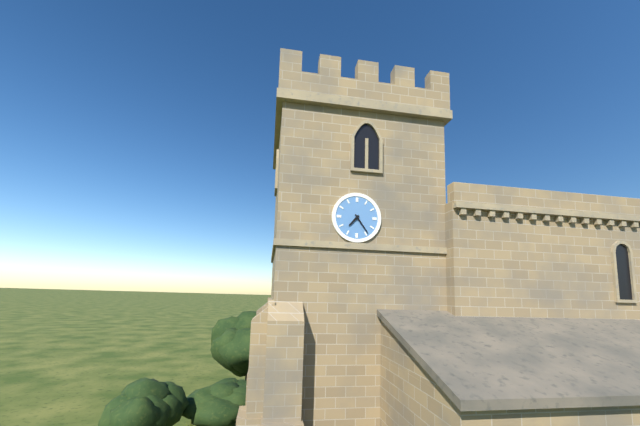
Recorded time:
{"hour": 7, "minute": 24}
